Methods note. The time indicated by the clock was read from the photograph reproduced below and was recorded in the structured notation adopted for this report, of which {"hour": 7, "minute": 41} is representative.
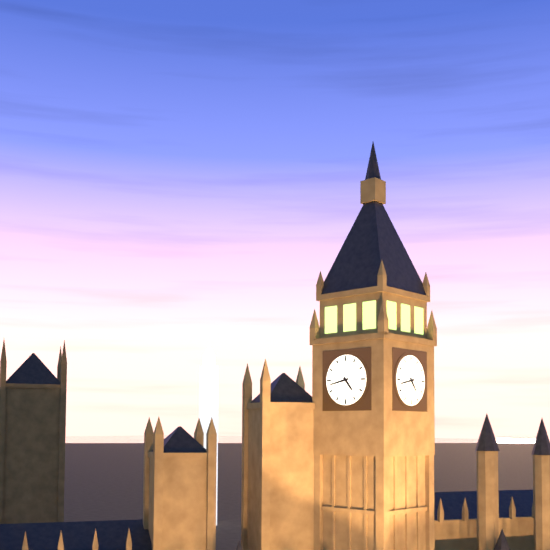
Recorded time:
{"hour": 4, "minute": 43}
